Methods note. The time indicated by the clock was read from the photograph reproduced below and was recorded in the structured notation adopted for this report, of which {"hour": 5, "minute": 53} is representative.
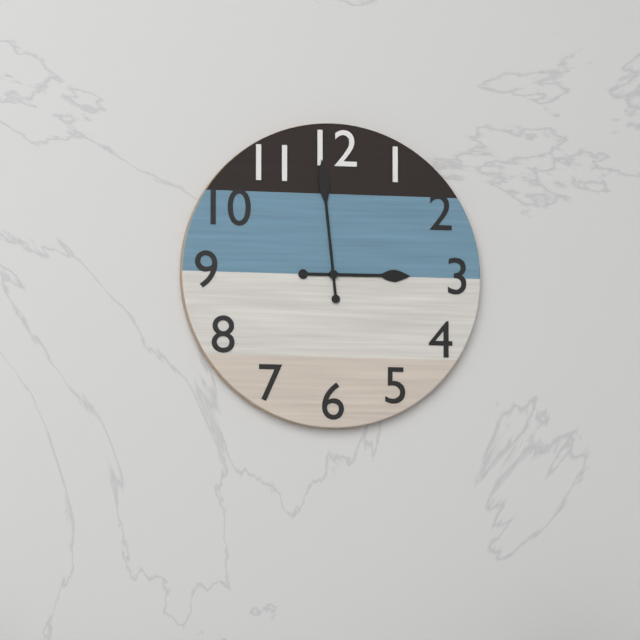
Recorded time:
{"hour": 2, "minute": 59}
